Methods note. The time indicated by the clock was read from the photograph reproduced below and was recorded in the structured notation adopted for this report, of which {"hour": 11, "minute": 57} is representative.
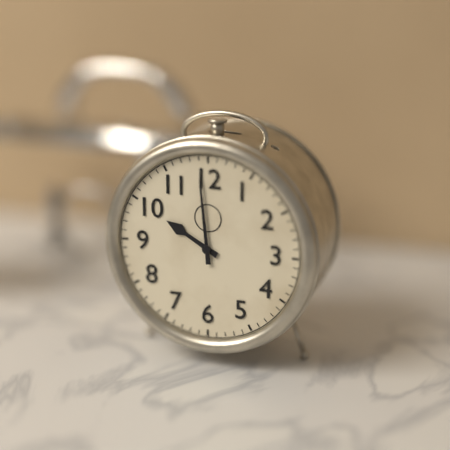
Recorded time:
{"hour": 9, "minute": 59}
